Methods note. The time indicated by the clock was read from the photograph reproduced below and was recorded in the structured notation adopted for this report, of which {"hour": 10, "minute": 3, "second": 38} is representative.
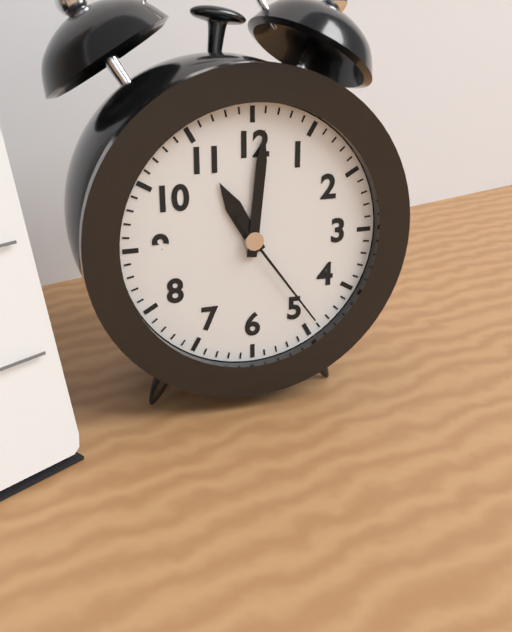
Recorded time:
{"hour": 11, "minute": 1, "second": 24}
